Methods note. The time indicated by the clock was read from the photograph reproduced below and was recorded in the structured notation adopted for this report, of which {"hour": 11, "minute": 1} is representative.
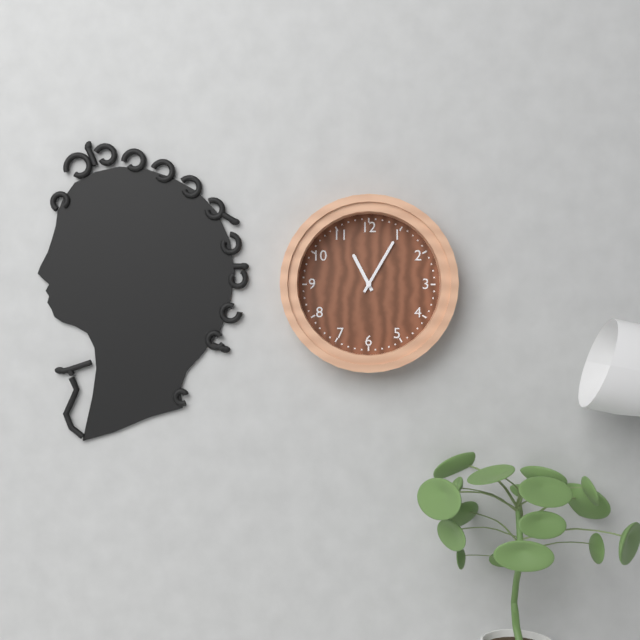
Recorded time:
{"hour": 11, "minute": 5}
